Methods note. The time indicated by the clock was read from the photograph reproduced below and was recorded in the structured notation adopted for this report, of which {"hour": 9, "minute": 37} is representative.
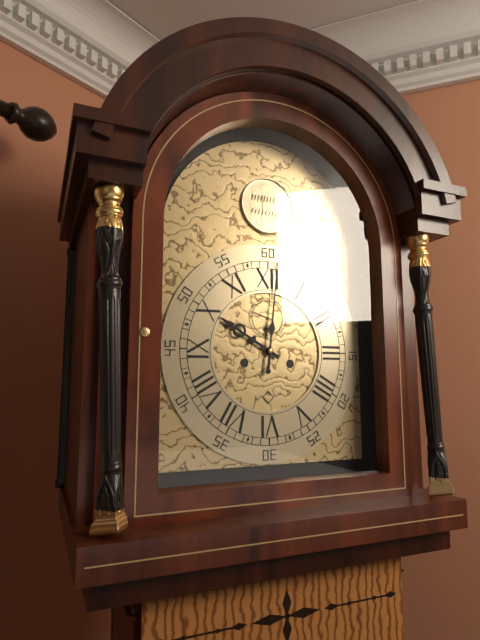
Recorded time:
{"hour": 10, "minute": 1}
